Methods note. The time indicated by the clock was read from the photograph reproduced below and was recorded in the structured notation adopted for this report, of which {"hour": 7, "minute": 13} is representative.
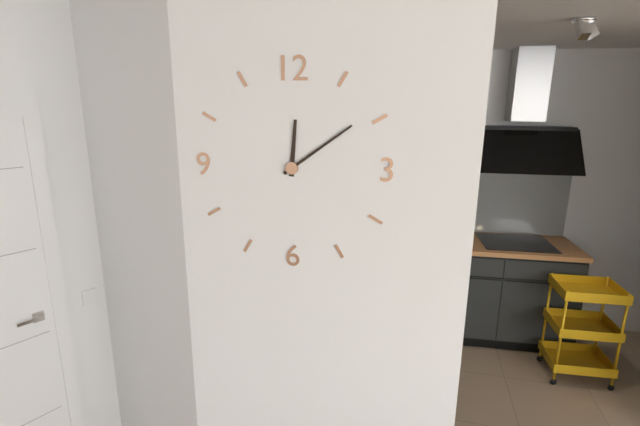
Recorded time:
{"hour": 12, "minute": 9}
